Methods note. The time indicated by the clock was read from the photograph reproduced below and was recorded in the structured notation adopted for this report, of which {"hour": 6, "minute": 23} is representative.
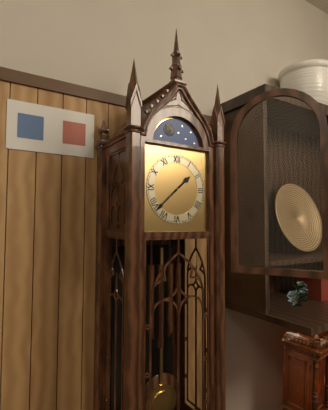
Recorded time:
{"hour": 1, "minute": 38}
